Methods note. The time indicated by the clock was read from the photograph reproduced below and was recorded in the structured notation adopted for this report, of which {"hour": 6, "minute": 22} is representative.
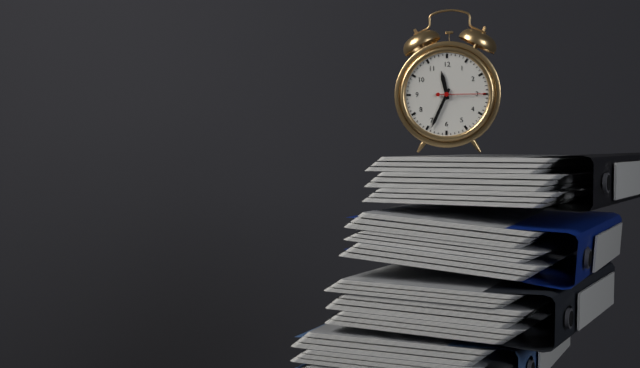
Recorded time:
{"hour": 11, "minute": 34}
